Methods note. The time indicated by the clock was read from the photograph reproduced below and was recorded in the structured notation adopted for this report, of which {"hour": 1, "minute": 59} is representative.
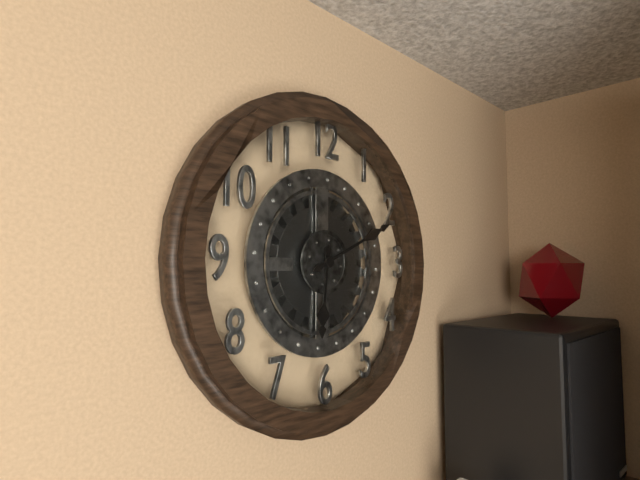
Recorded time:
{"hour": 6, "minute": 11}
